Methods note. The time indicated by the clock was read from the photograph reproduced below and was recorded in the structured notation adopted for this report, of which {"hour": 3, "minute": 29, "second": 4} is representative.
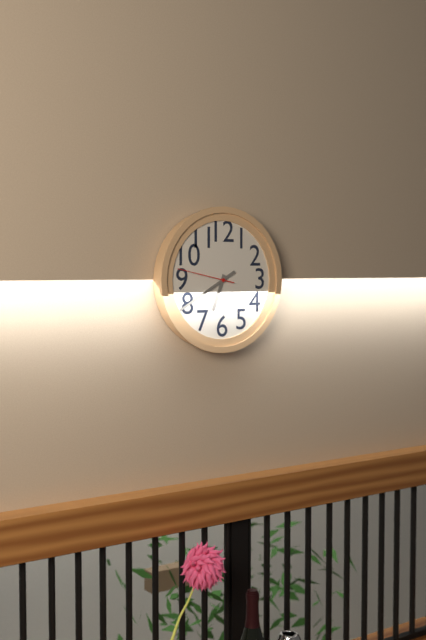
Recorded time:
{"hour": 6, "minute": 40, "second": 47}
